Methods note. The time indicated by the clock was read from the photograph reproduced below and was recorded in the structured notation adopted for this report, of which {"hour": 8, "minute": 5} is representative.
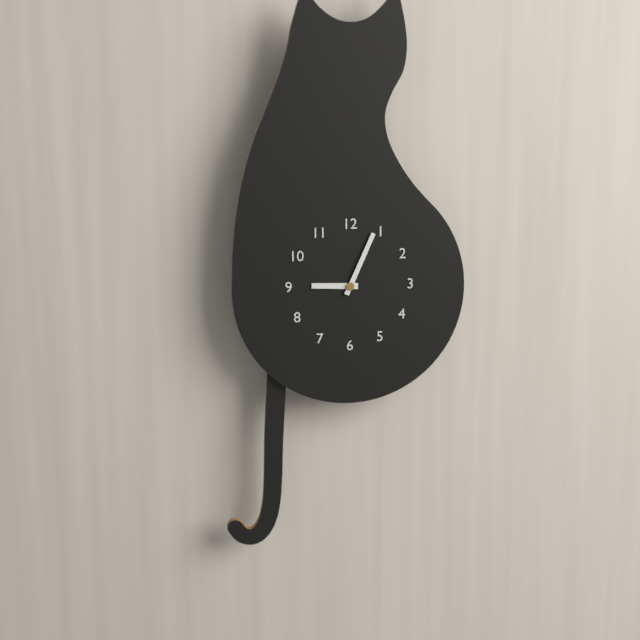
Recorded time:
{"hour": 9, "minute": 4}
